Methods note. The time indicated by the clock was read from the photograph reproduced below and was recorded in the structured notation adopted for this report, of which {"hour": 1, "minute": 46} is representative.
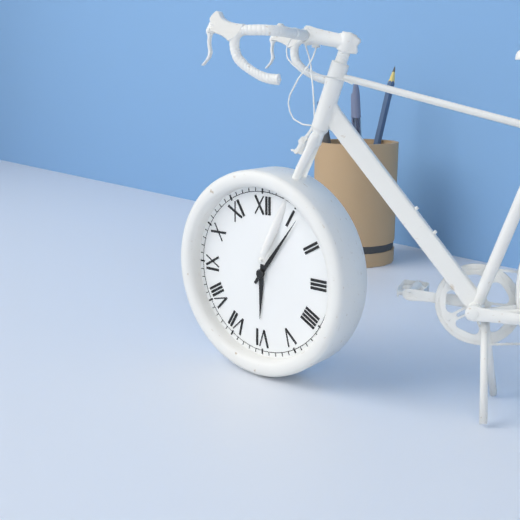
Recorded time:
{"hour": 6, "minute": 6}
